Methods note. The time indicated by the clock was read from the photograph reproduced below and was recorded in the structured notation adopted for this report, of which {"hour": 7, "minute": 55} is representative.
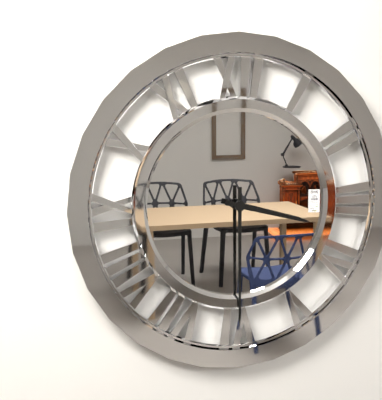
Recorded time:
{"hour": 3, "minute": 30}
